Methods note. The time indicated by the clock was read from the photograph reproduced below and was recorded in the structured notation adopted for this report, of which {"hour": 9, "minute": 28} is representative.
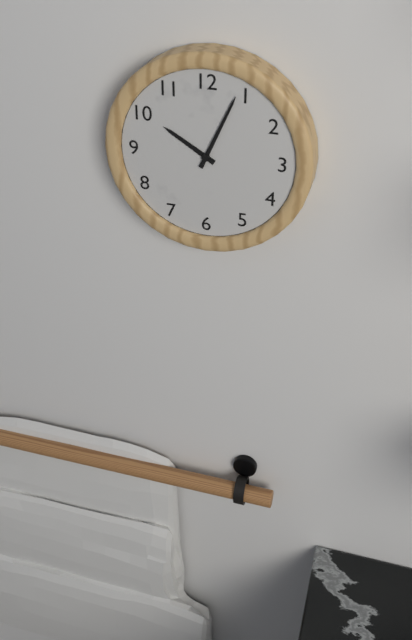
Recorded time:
{"hour": 10, "minute": 4}
